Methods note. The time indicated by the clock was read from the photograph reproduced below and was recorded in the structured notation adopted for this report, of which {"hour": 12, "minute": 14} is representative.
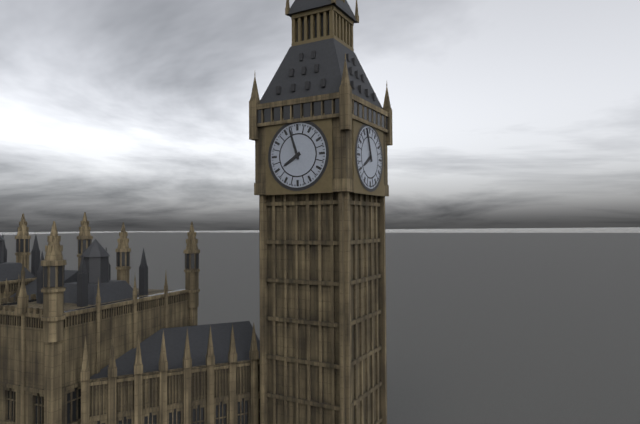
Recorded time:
{"hour": 7, "minute": 57}
